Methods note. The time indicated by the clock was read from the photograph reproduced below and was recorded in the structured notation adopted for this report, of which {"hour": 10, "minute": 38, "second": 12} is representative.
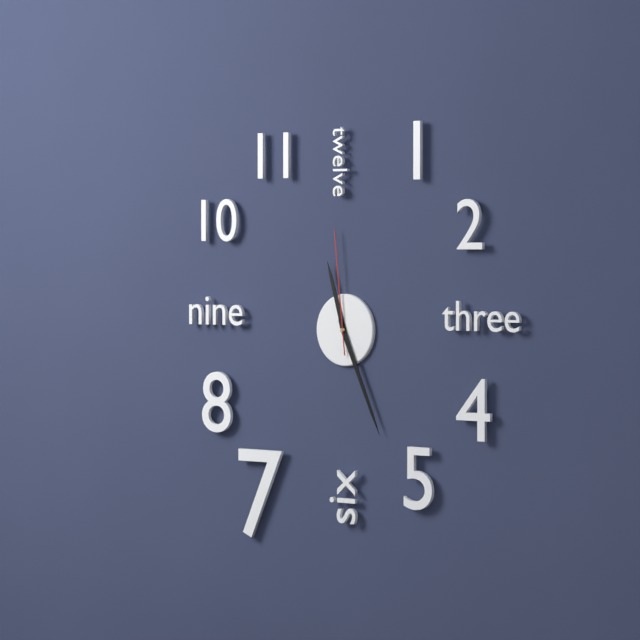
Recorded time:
{"hour": 11, "minute": 26, "second": 59}
